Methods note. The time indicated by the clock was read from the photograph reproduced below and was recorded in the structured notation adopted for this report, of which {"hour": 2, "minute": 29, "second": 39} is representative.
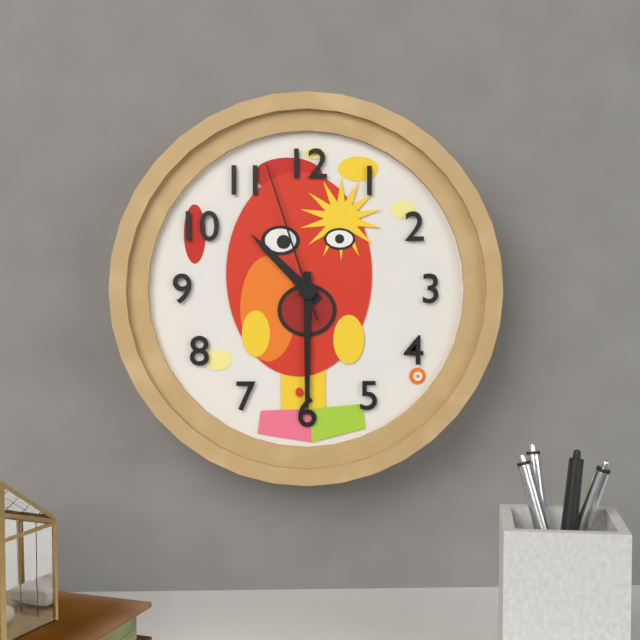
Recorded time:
{"hour": 10, "minute": 30, "second": 57}
